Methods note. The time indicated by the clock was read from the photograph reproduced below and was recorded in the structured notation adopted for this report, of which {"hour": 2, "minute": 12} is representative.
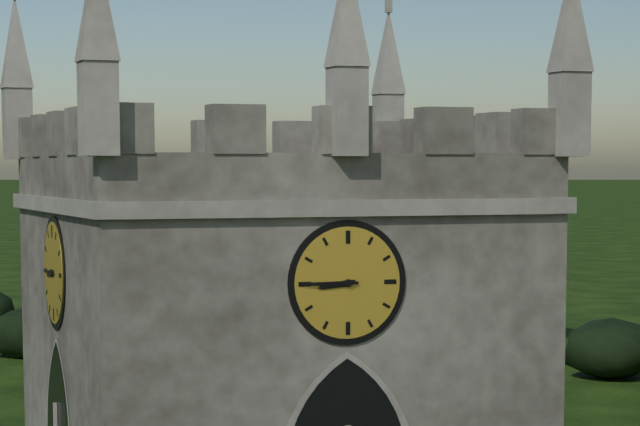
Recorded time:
{"hour": 8, "minute": 45}
